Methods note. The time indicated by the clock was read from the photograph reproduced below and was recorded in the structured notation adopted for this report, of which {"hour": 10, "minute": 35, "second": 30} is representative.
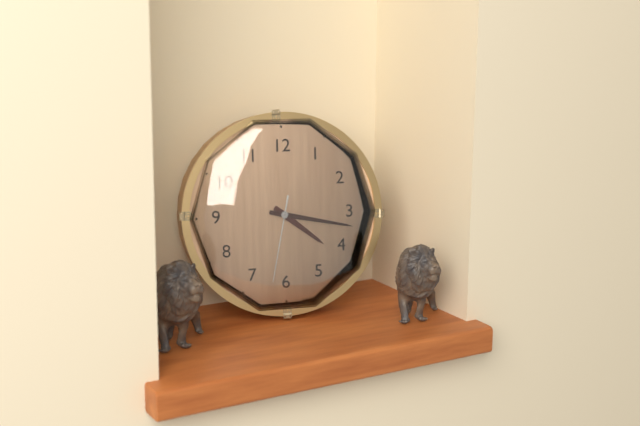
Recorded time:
{"hour": 4, "minute": 17, "second": 32}
